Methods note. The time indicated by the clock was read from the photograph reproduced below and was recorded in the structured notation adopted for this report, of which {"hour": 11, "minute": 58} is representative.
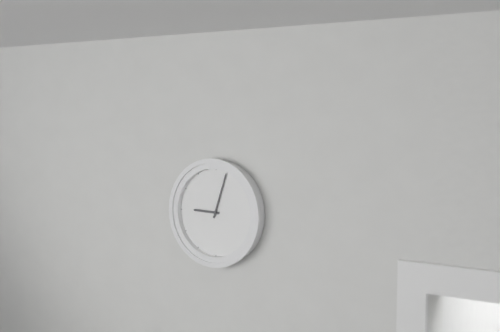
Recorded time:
{"hour": 9, "minute": 3}
